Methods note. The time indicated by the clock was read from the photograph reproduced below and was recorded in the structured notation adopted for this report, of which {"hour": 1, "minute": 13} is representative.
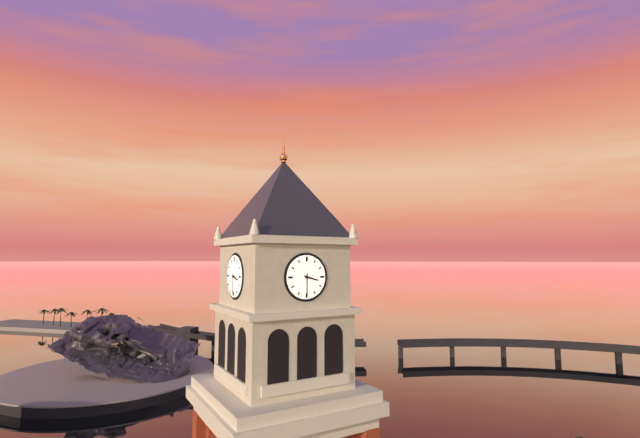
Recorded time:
{"hour": 3, "minute": 30}
